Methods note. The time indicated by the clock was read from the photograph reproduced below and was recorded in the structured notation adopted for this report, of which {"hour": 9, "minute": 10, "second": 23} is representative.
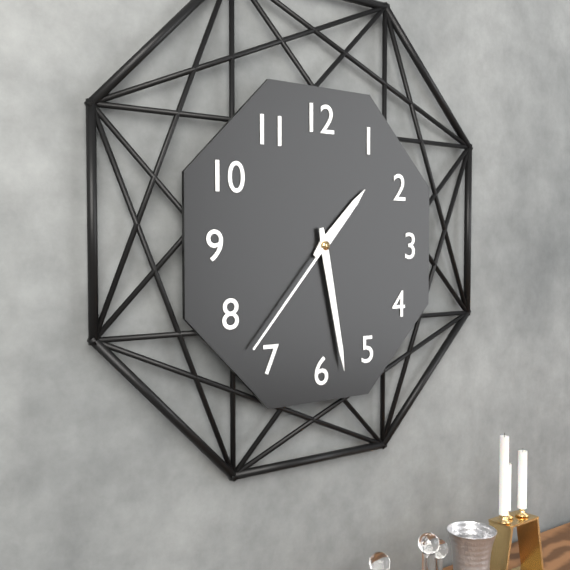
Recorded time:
{"hour": 1, "minute": 28, "second": 37}
